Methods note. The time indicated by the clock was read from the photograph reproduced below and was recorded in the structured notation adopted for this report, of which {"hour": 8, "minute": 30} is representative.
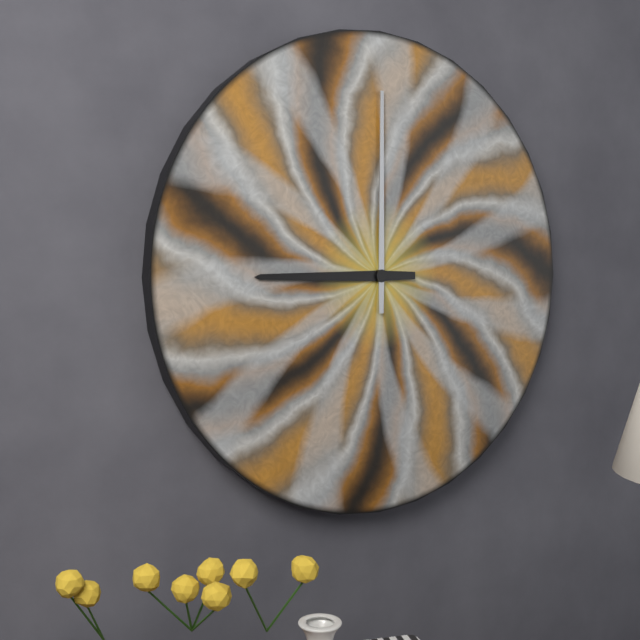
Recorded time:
{"hour": 9, "minute": 0}
